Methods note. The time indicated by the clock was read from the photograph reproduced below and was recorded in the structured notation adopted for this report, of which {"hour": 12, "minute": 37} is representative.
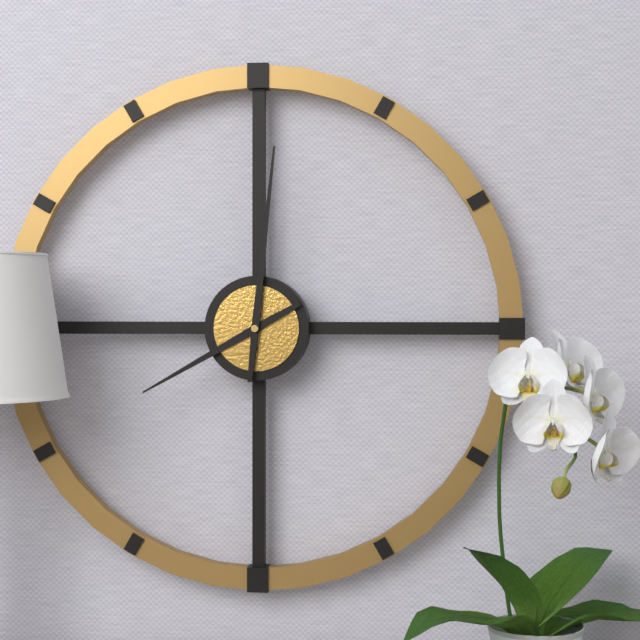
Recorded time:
{"hour": 8, "minute": 1}
